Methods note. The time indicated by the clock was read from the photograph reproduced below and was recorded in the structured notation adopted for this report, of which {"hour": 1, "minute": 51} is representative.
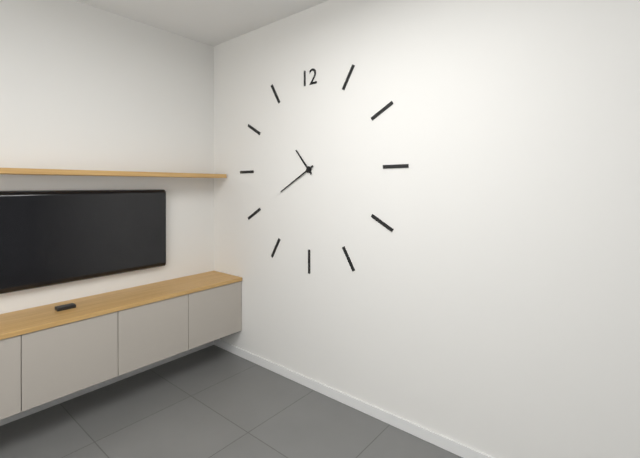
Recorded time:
{"hour": 10, "minute": 40}
